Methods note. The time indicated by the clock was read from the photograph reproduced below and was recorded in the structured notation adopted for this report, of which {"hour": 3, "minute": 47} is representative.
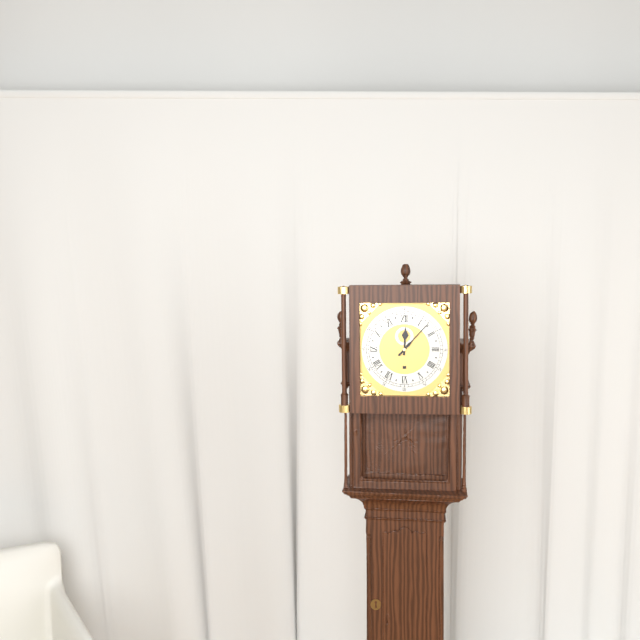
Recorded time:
{"hour": 12, "minute": 7}
